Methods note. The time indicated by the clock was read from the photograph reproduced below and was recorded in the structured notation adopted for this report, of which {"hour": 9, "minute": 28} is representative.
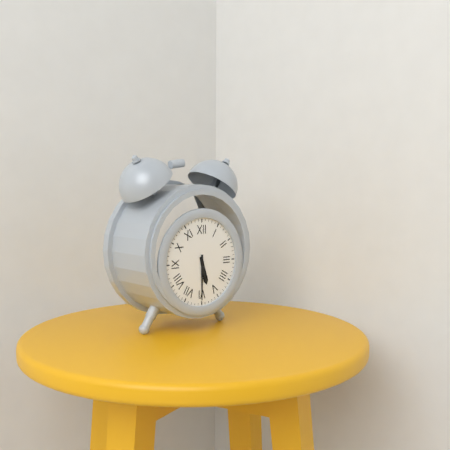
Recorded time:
{"hour": 5, "minute": 30}
